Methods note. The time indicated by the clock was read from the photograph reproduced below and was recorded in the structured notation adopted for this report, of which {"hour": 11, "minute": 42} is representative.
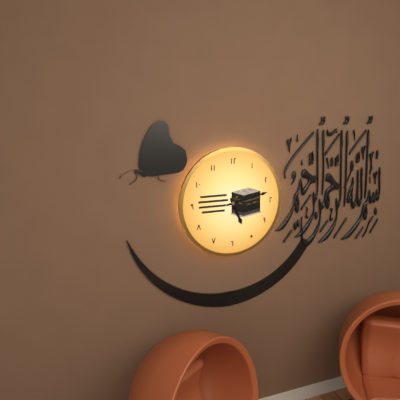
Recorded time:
{"hour": 5, "minute": 13}
